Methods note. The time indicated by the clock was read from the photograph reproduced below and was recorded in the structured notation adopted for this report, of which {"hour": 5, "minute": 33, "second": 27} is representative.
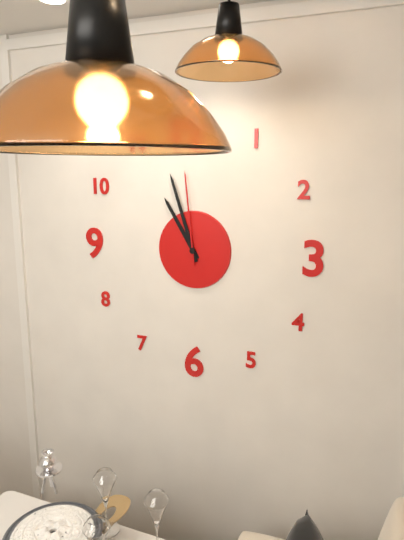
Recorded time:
{"hour": 10, "minute": 57, "second": 59}
